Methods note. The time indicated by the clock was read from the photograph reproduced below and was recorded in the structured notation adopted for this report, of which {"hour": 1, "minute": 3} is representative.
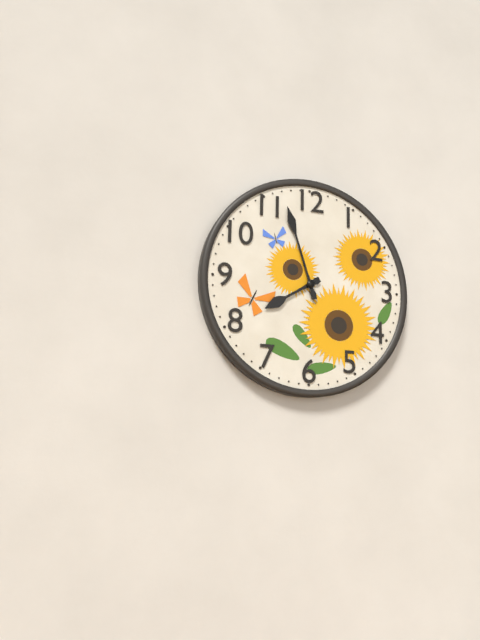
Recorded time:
{"hour": 7, "minute": 57}
